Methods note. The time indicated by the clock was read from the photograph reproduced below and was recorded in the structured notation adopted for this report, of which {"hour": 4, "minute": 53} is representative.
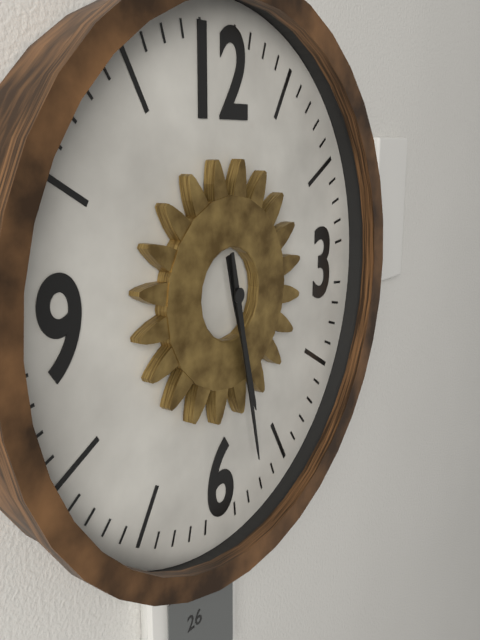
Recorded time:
{"hour": 5, "minute": 28}
